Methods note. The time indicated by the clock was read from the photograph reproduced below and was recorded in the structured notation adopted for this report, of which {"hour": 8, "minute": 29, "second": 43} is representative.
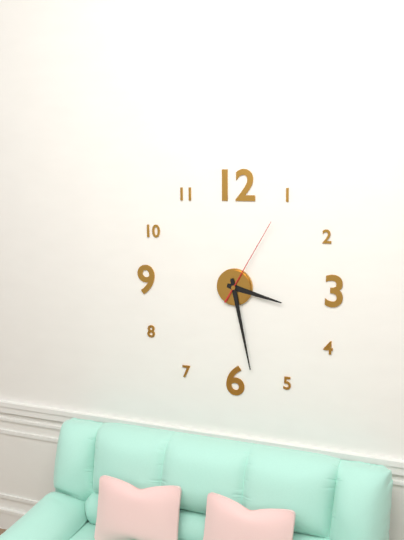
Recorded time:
{"hour": 3, "minute": 28, "second": 5}
